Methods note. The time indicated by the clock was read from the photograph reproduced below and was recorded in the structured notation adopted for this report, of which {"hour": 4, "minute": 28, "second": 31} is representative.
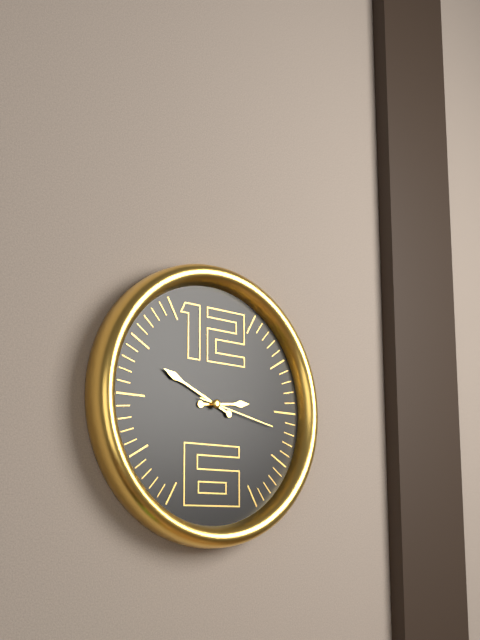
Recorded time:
{"hour": 2, "minute": 49, "second": 17}
